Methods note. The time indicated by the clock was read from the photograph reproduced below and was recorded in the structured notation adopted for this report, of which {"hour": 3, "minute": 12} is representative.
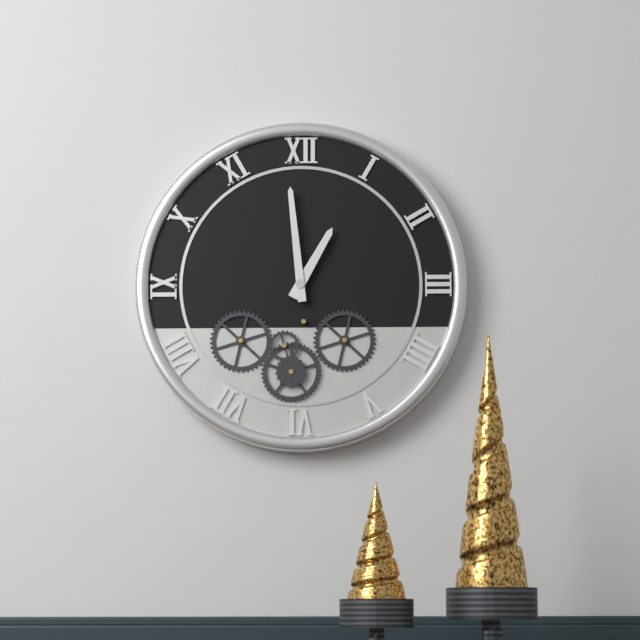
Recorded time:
{"hour": 12, "minute": 59}
